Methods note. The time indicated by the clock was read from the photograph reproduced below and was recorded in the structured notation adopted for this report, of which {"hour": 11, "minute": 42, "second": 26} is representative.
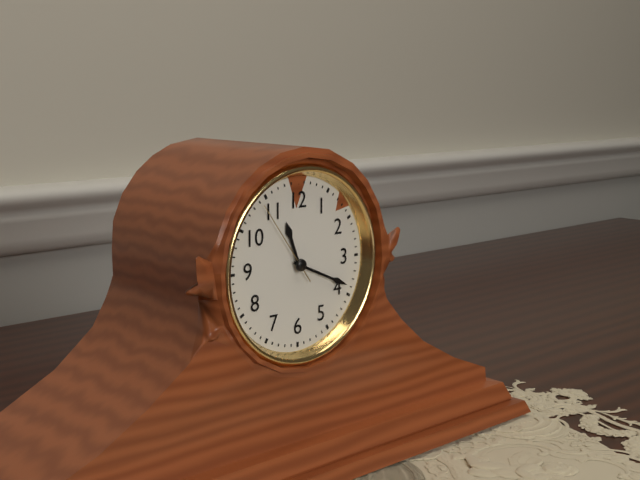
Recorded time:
{"hour": 11, "minute": 19, "second": 54}
